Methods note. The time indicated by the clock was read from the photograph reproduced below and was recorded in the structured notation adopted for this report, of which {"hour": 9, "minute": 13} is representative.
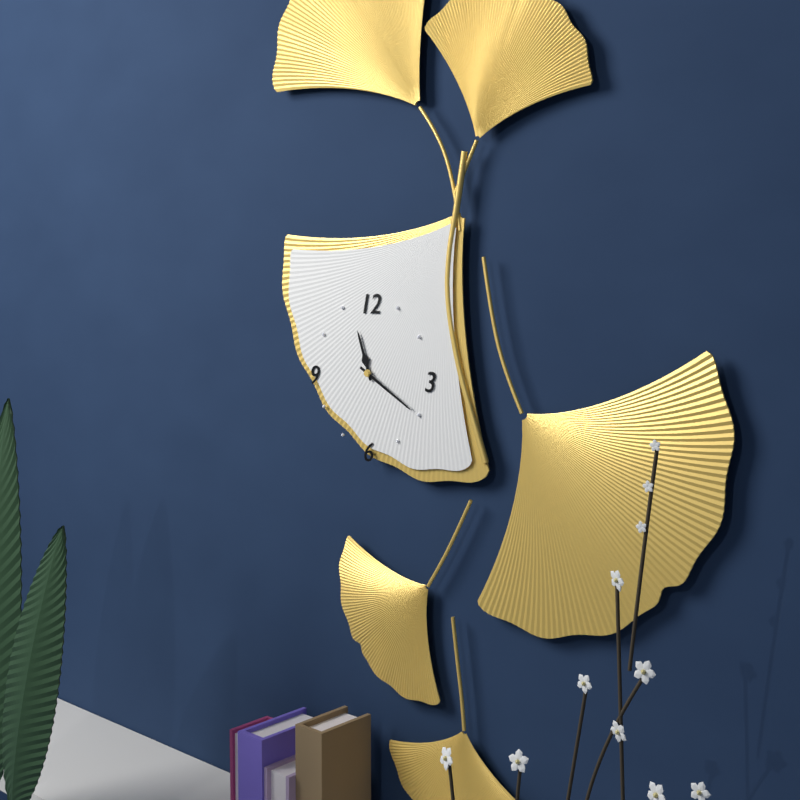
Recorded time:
{"hour": 11, "minute": 20}
